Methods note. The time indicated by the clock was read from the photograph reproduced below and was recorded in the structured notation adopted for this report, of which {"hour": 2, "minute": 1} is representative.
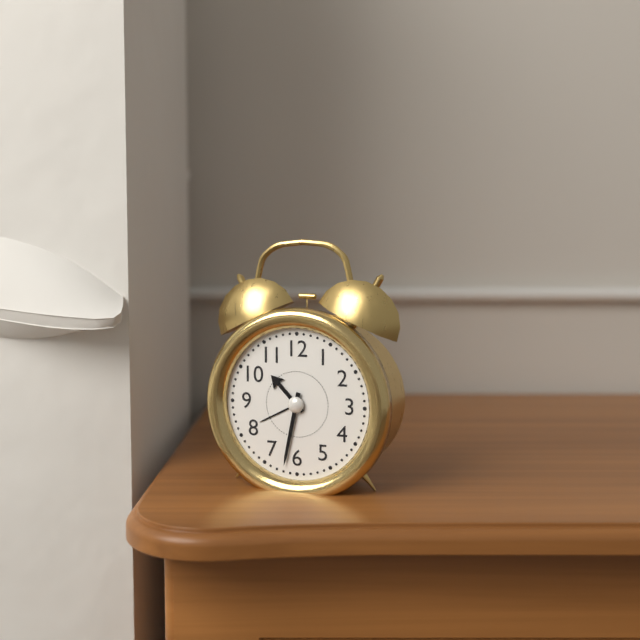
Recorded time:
{"hour": 10, "minute": 32}
